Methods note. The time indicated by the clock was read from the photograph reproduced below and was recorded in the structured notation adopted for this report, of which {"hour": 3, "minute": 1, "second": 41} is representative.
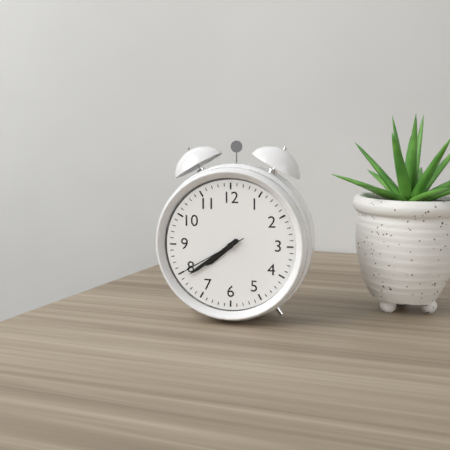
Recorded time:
{"hour": 7, "minute": 39, "second": 40}
